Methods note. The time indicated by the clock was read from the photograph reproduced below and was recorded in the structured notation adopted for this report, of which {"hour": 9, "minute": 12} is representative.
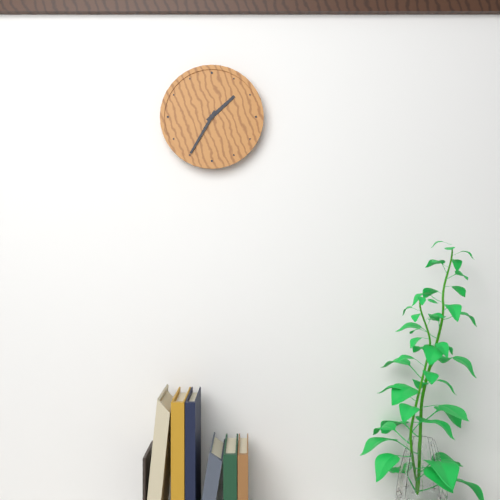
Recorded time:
{"hour": 1, "minute": 35}
